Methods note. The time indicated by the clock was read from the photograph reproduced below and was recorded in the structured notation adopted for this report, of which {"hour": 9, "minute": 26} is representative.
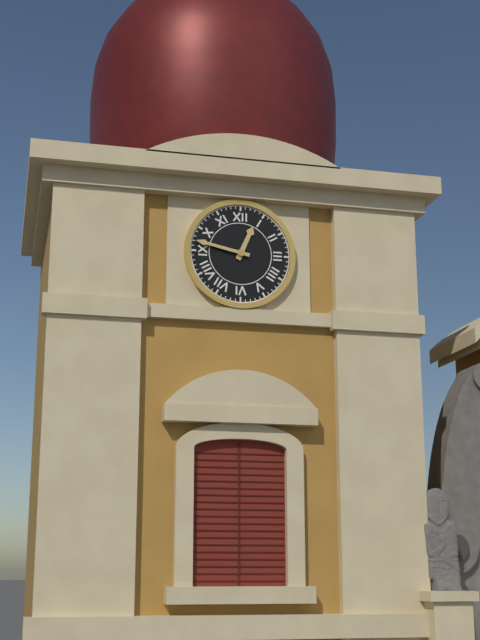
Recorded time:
{"hour": 12, "minute": 47}
